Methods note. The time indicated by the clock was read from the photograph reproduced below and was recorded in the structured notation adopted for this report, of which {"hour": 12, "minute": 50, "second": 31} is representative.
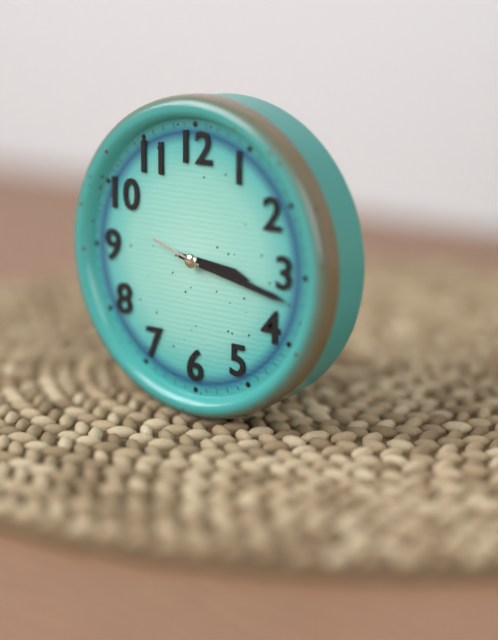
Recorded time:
{"hour": 3, "minute": 17, "second": 48}
